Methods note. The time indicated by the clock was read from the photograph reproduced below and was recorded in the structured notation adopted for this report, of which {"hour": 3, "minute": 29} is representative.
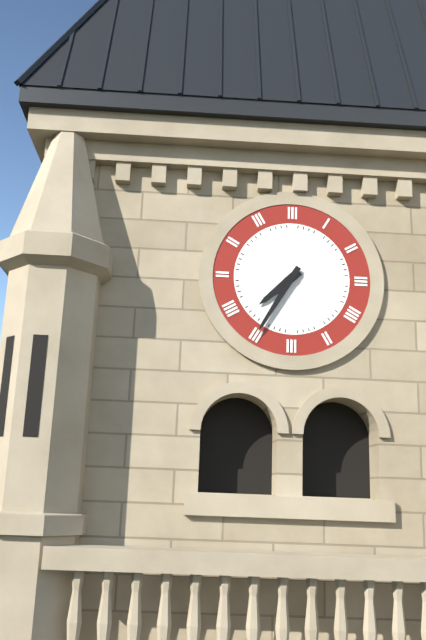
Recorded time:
{"hour": 7, "minute": 35}
